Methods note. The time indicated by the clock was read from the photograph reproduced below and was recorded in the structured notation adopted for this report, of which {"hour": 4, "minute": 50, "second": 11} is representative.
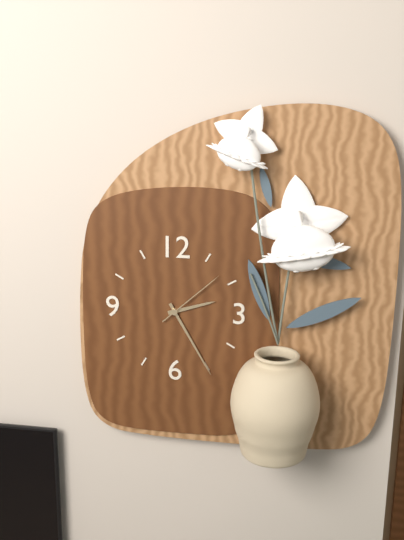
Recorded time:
{"hour": 2, "minute": 25, "second": 8}
